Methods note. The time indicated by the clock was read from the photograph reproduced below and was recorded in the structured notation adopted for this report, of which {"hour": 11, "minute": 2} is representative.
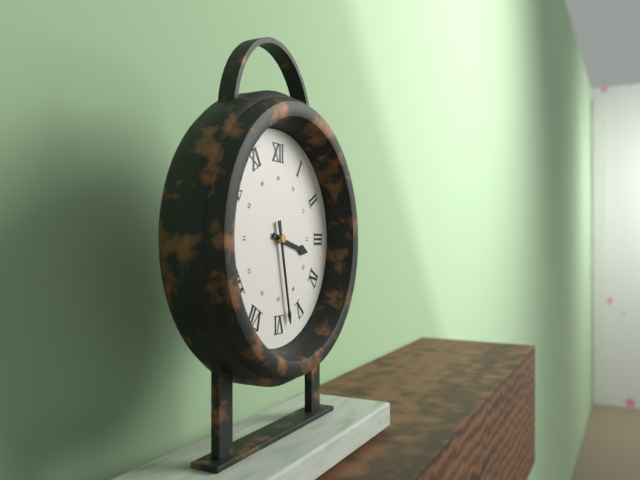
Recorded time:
{"hour": 3, "minute": 28}
